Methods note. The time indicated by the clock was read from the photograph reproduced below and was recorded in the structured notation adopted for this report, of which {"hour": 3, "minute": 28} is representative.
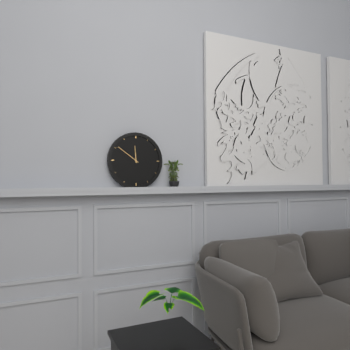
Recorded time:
{"hour": 11, "minute": 51}
